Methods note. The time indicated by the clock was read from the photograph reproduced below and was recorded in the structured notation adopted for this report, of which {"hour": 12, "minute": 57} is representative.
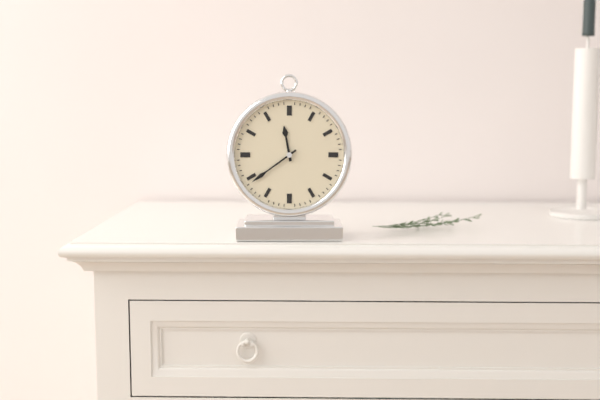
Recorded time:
{"hour": 11, "minute": 39}
